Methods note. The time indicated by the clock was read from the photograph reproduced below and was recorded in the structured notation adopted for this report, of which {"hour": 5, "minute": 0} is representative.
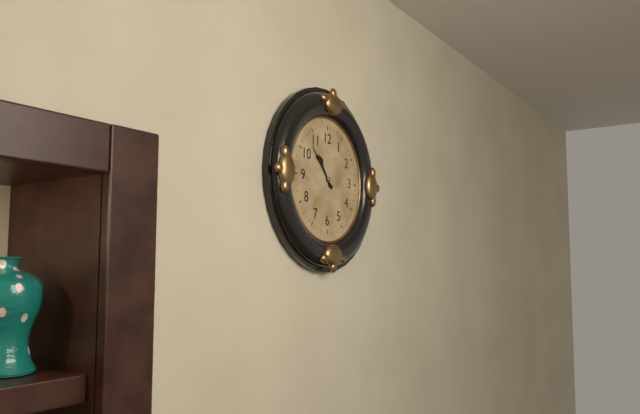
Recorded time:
{"hour": 10, "minute": 53}
